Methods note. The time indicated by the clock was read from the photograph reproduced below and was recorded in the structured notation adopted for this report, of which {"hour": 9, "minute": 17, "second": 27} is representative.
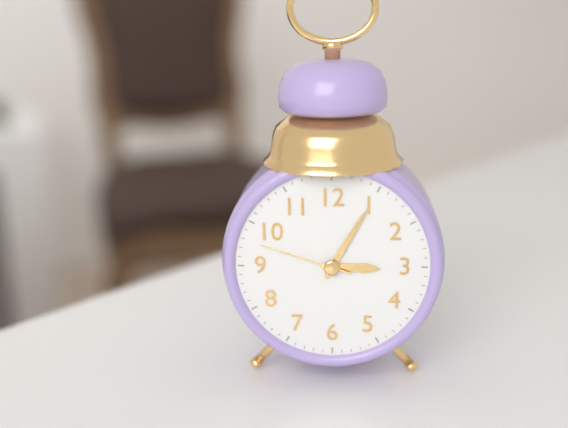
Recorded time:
{"hour": 3, "minute": 5, "second": 48}
